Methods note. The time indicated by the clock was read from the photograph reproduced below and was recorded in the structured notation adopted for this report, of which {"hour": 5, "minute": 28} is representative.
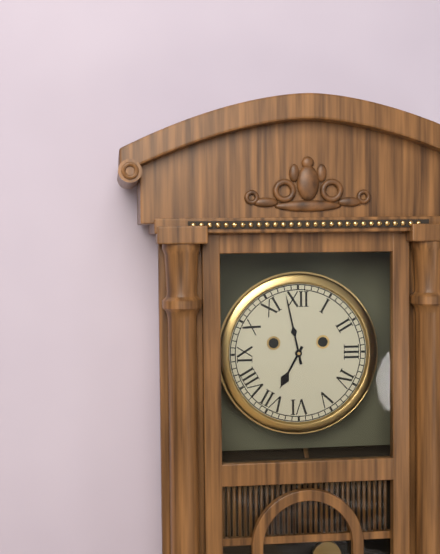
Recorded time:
{"hour": 6, "minute": 58}
